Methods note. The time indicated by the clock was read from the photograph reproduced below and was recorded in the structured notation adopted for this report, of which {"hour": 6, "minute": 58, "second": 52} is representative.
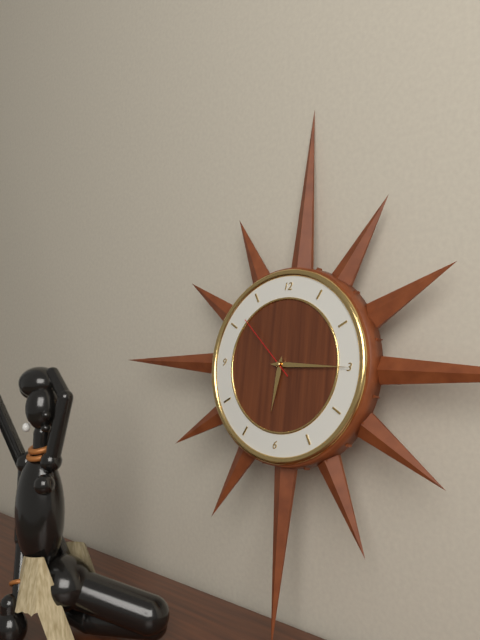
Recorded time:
{"hour": 6, "minute": 15, "second": 52}
